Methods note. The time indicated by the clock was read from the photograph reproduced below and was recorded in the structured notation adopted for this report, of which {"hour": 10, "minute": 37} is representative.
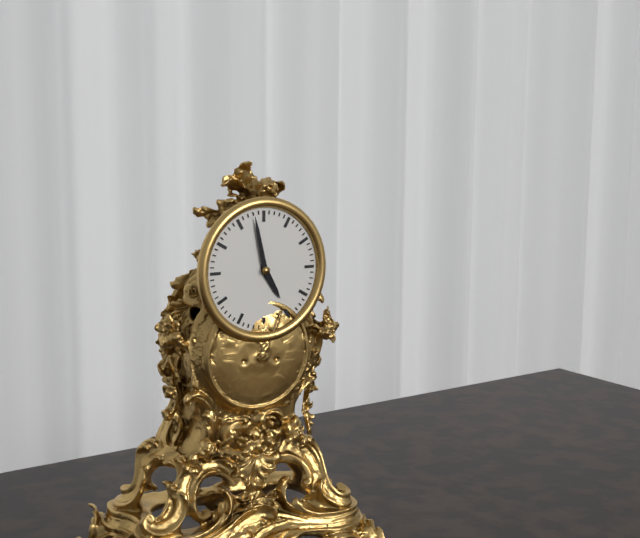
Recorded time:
{"hour": 4, "minute": 58}
